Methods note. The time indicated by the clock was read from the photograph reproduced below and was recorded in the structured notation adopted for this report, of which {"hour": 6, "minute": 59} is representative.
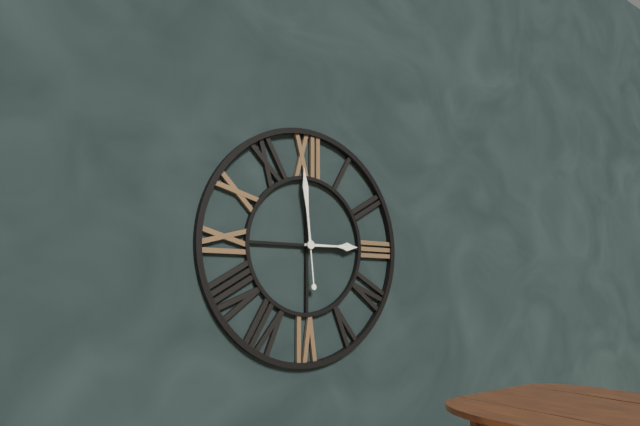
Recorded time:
{"hour": 2, "minute": 59}
